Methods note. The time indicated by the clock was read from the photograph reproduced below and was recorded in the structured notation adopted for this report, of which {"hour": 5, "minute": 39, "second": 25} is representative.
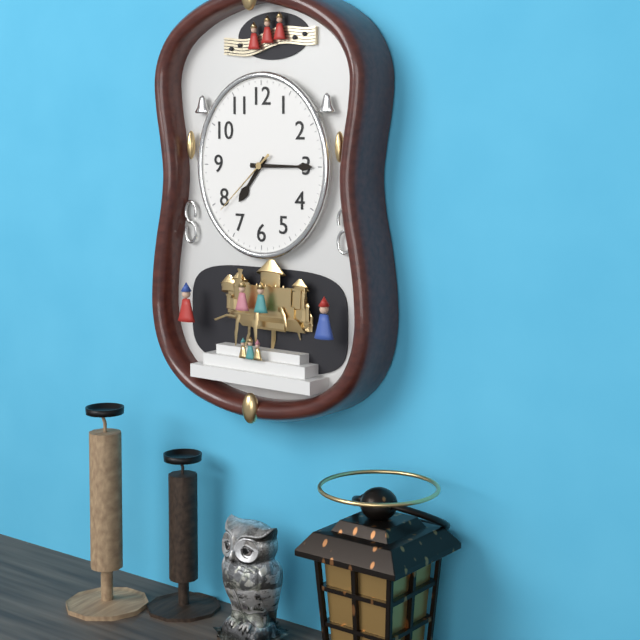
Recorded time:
{"hour": 7, "minute": 15, "second": 38}
